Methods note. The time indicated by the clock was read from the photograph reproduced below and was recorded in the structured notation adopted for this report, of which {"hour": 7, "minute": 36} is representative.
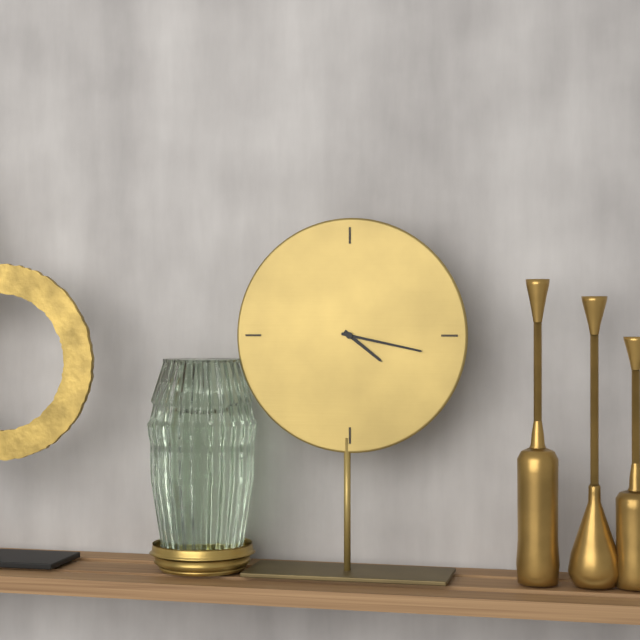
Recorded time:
{"hour": 4, "minute": 17}
